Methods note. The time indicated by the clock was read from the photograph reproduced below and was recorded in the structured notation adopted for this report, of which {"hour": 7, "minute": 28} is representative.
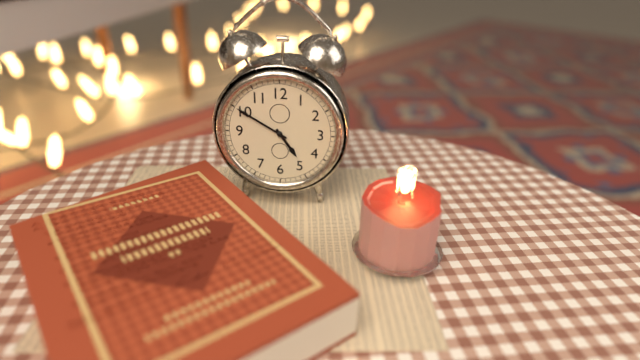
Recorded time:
{"hour": 4, "minute": 50}
